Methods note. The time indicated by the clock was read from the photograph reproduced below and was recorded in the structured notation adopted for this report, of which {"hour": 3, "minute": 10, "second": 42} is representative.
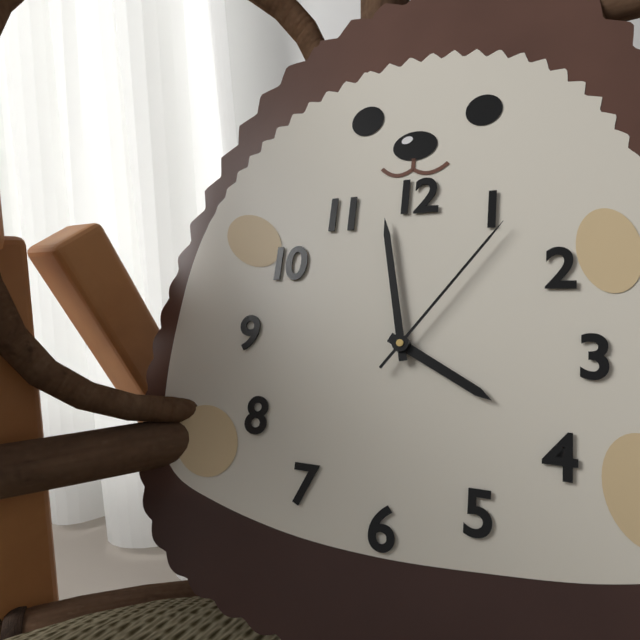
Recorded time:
{"hour": 3, "minute": 58, "second": 6}
